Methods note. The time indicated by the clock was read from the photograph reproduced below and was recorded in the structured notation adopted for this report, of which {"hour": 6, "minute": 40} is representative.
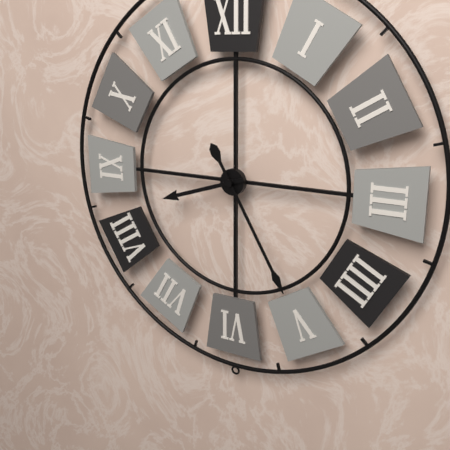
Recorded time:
{"hour": 8, "minute": 25}
